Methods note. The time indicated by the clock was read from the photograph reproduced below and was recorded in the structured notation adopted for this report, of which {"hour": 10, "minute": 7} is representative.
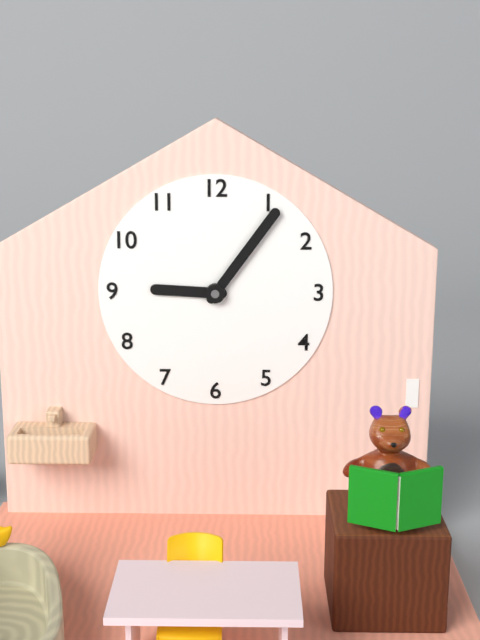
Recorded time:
{"hour": 9, "minute": 6}
